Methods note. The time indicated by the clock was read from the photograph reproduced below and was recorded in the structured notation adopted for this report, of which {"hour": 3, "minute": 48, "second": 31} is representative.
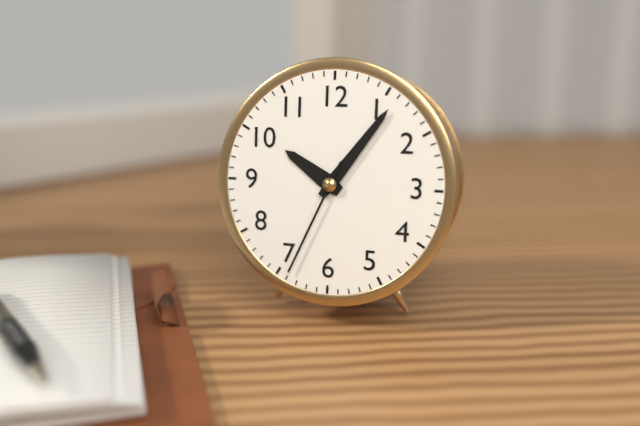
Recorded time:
{"hour": 10, "minute": 6, "second": 34}
